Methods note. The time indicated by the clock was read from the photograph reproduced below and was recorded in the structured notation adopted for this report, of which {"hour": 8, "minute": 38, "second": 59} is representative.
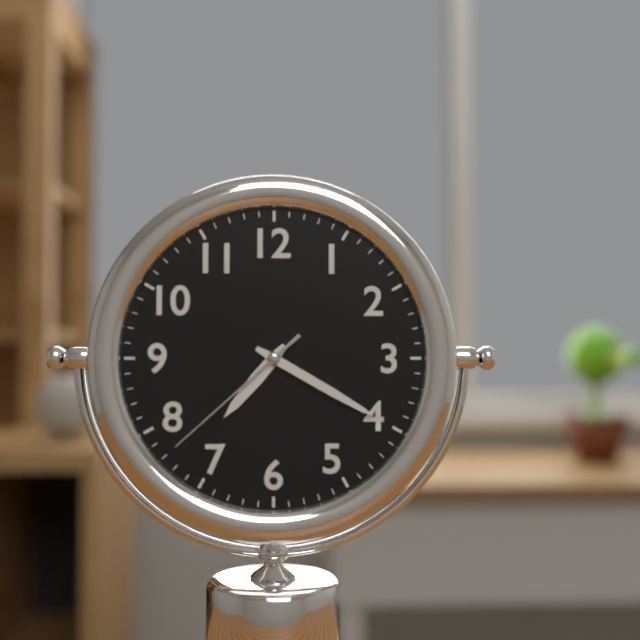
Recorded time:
{"hour": 7, "minute": 20, "second": 38}
